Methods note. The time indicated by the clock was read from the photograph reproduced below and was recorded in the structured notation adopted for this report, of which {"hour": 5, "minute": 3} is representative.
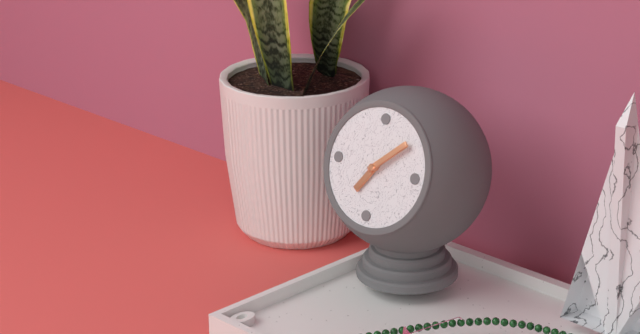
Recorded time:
{"hour": 7, "minute": 8}
